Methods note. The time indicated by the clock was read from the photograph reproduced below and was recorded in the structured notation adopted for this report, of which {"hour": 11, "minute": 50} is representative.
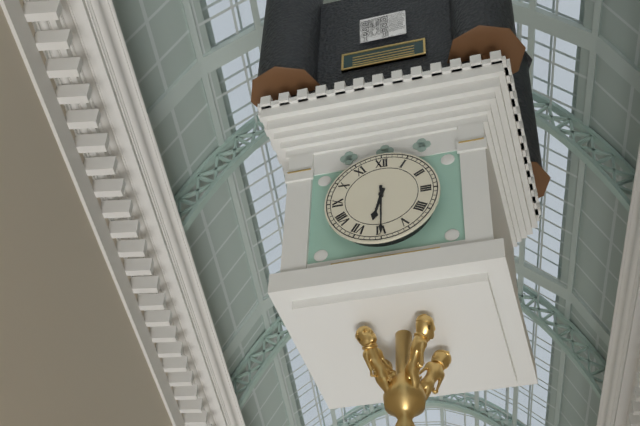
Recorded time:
{"hour": 6, "minute": 30}
